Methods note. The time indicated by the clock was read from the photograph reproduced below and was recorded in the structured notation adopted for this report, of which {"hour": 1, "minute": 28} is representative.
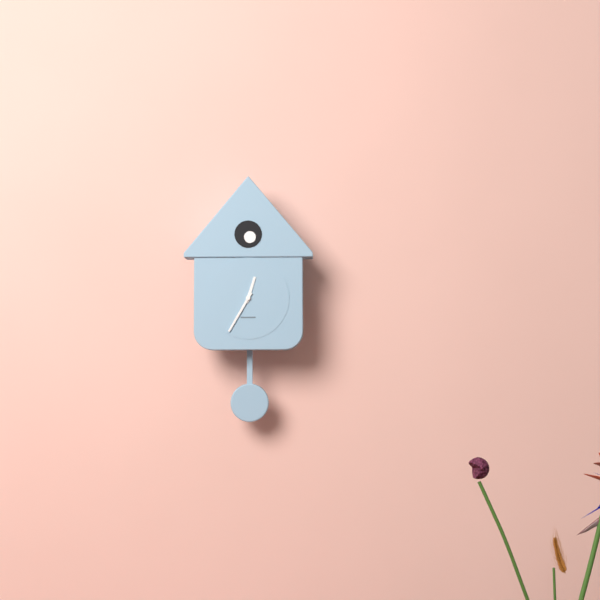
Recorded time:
{"hour": 12, "minute": 35}
